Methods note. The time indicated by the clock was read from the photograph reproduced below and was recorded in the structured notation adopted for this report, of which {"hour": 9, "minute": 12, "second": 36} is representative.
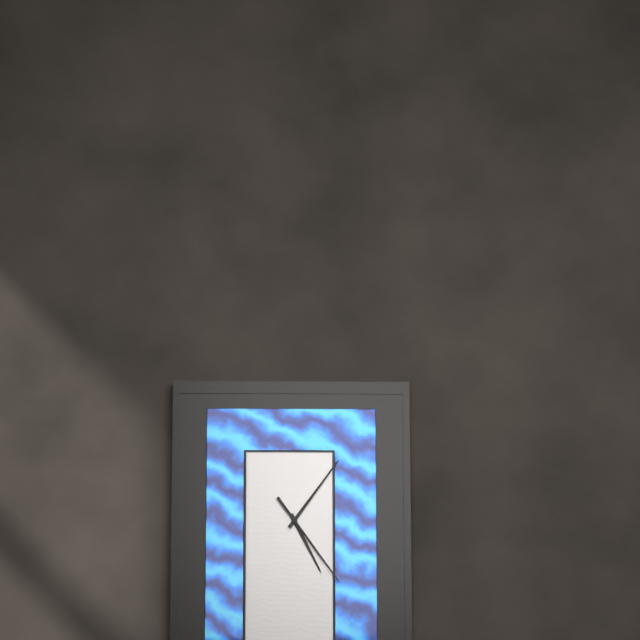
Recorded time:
{"hour": 5, "minute": 6, "second": 24}
